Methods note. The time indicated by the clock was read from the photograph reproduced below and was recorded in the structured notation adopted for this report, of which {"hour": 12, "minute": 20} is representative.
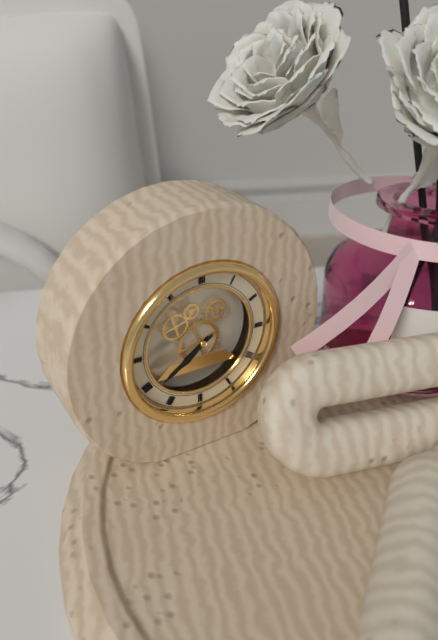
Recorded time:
{"hour": 7, "minute": 39}
